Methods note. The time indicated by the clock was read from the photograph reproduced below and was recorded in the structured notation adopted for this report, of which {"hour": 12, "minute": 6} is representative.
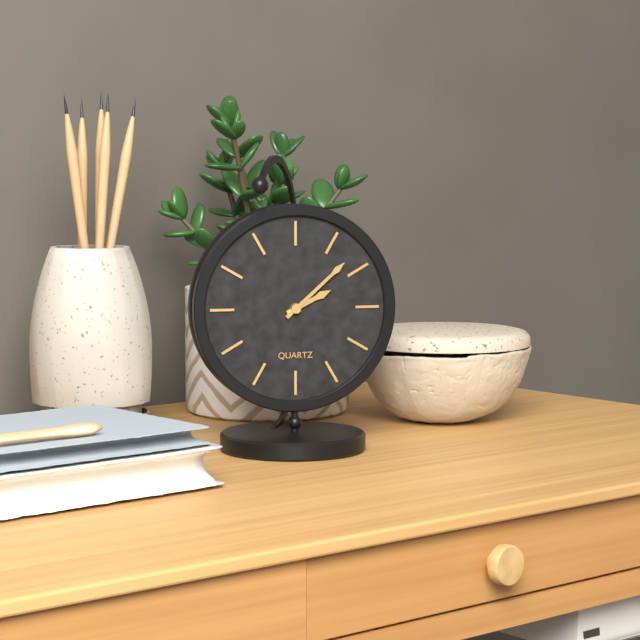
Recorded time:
{"hour": 2, "minute": 8}
